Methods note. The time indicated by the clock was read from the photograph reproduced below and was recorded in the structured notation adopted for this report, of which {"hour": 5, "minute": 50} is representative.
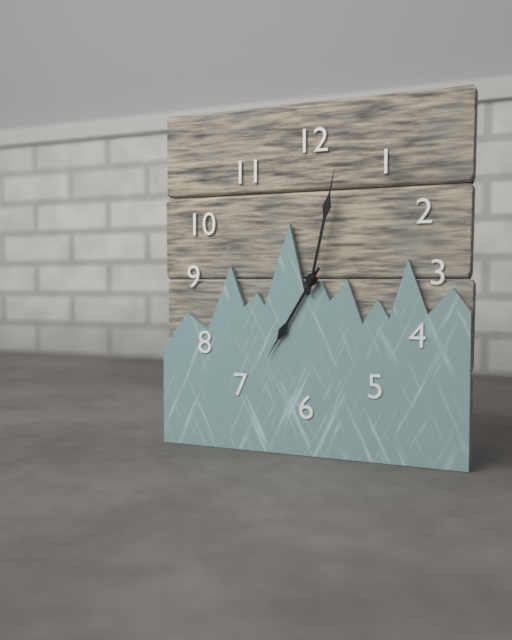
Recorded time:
{"hour": 7, "minute": 2}
